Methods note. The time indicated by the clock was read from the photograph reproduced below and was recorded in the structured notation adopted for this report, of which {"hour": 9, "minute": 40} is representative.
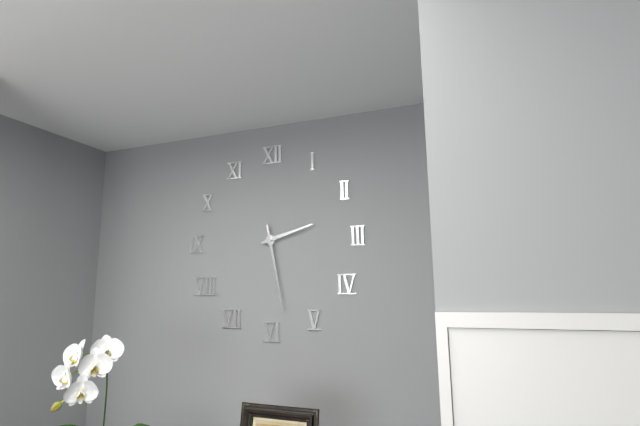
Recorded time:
{"hour": 2, "minute": 28}
